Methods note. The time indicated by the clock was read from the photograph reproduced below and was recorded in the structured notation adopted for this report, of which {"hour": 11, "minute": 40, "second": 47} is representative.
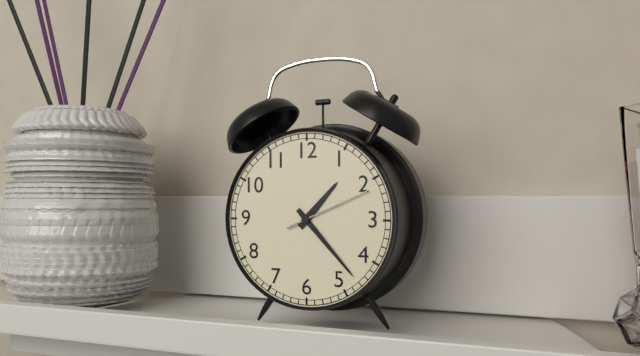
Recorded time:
{"hour": 1, "minute": 23, "second": 11}
